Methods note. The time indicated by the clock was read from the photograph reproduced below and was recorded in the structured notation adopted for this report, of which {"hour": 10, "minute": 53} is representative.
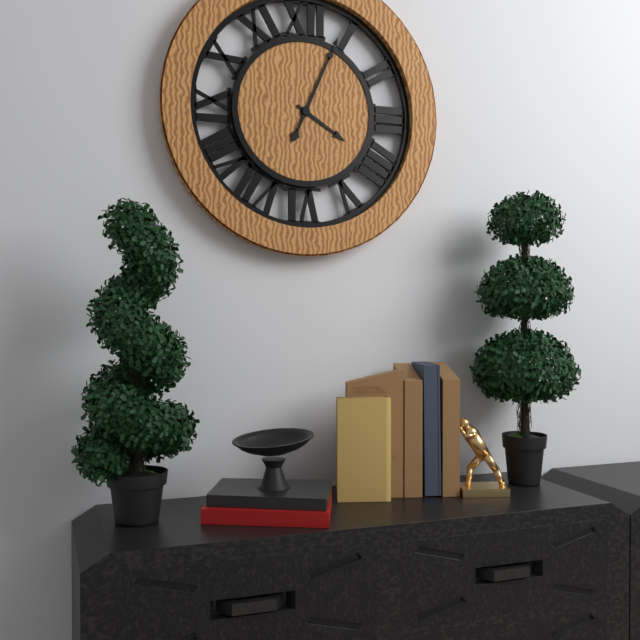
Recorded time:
{"hour": 4, "minute": 4}
